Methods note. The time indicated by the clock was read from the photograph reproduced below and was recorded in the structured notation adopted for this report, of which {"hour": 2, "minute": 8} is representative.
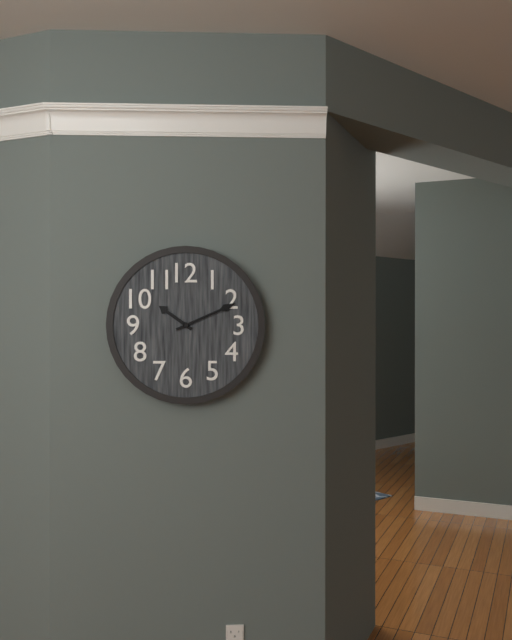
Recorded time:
{"hour": 10, "minute": 11}
